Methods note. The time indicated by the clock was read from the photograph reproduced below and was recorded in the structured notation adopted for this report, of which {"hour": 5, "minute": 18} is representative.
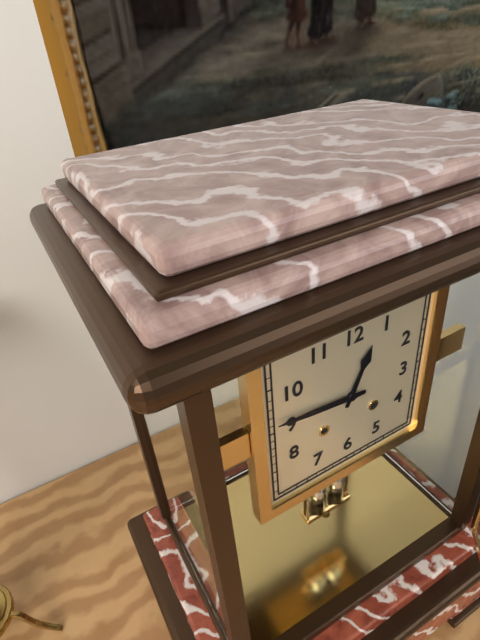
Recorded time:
{"hour": 12, "minute": 46}
